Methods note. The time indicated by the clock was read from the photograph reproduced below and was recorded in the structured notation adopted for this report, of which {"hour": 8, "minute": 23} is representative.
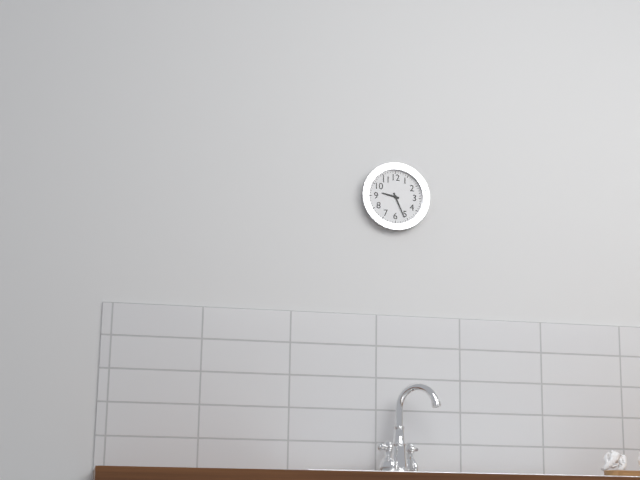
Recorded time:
{"hour": 9, "minute": 26}
